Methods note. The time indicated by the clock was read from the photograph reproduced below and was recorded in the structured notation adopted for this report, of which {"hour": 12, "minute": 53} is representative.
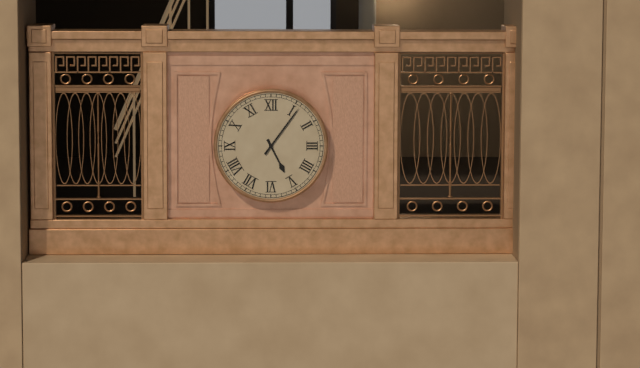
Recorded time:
{"hour": 5, "minute": 6}
